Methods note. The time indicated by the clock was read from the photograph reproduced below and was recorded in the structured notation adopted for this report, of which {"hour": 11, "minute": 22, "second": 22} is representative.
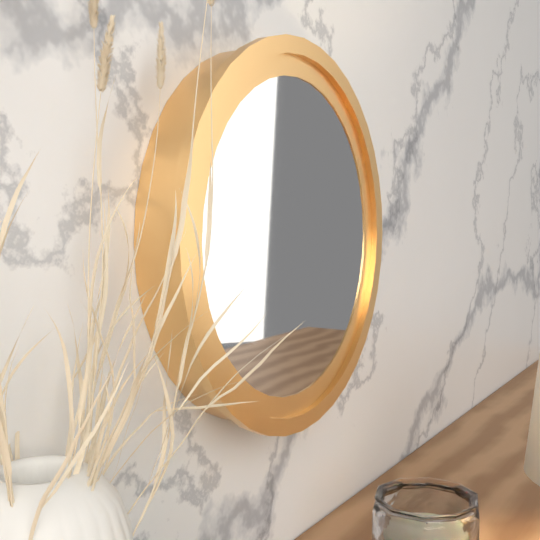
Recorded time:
{"hour": 5, "minute": 21, "second": 53}
